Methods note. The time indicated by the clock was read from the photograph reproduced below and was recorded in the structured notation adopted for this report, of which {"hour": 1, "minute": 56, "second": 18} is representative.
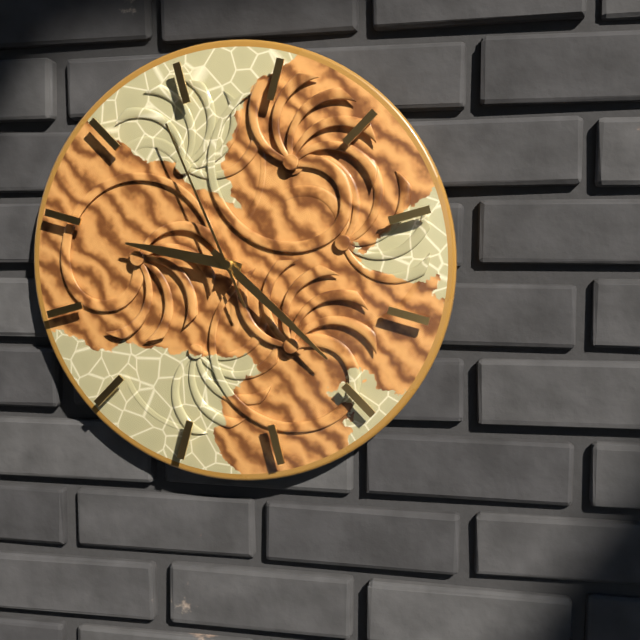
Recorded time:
{"hour": 9, "minute": 22, "second": 56}
